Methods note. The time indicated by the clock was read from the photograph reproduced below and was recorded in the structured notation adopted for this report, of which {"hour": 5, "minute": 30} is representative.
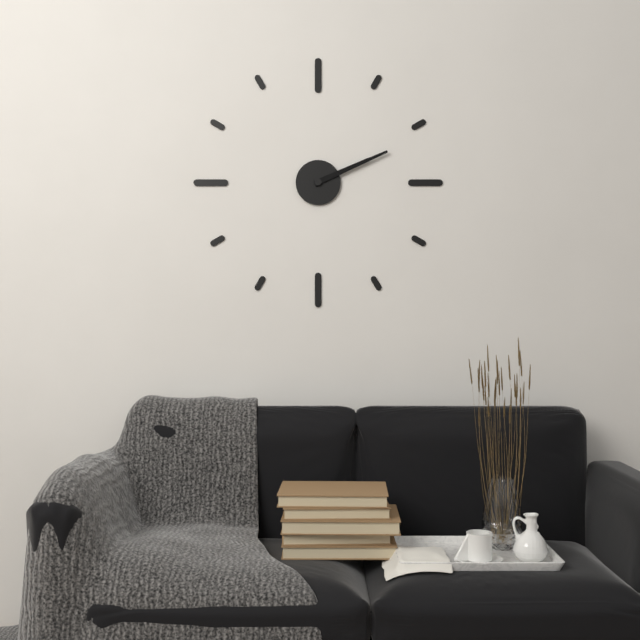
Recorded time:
{"hour": 2, "minute": 11}
